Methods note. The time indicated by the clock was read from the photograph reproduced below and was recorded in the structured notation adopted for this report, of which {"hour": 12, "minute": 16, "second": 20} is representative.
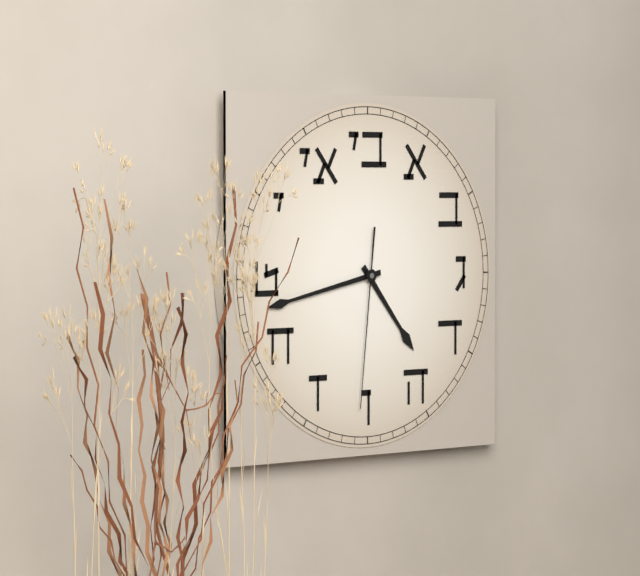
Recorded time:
{"hour": 4, "minute": 43, "second": 31}
